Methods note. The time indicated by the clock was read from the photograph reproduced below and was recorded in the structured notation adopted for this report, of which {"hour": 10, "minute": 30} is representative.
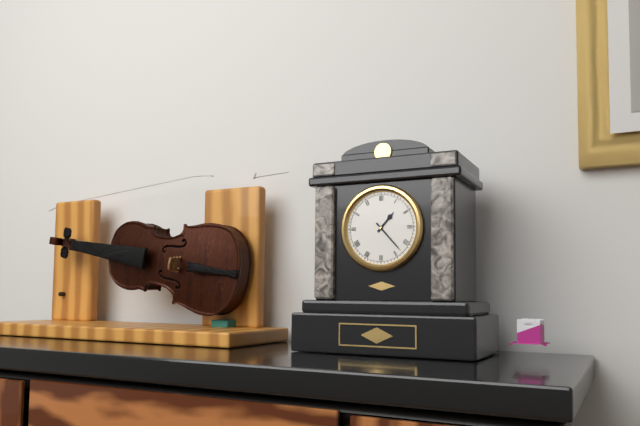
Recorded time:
{"hour": 1, "minute": 23}
